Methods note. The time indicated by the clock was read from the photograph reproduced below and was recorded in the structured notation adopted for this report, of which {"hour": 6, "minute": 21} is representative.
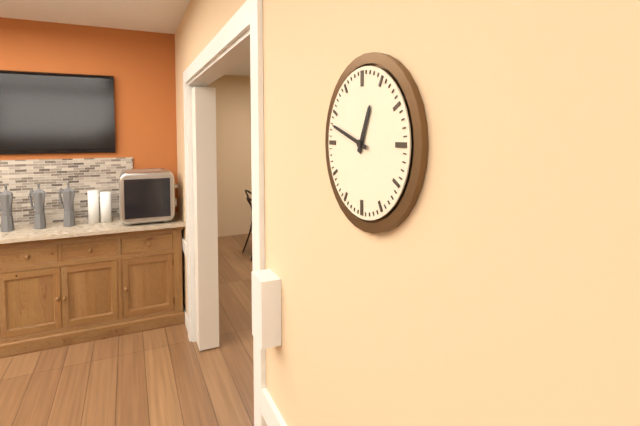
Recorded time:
{"hour": 12, "minute": 48}
